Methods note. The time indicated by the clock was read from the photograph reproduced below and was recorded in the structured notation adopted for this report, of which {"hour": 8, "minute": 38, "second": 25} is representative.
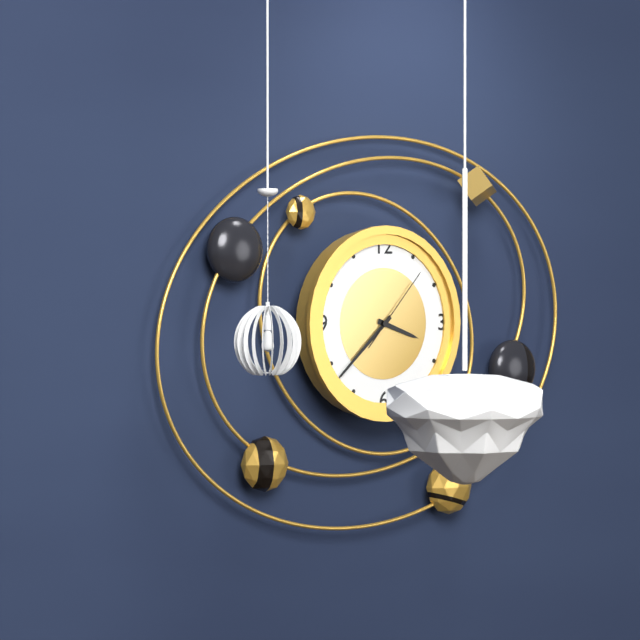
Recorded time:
{"hour": 3, "minute": 38, "second": 7}
